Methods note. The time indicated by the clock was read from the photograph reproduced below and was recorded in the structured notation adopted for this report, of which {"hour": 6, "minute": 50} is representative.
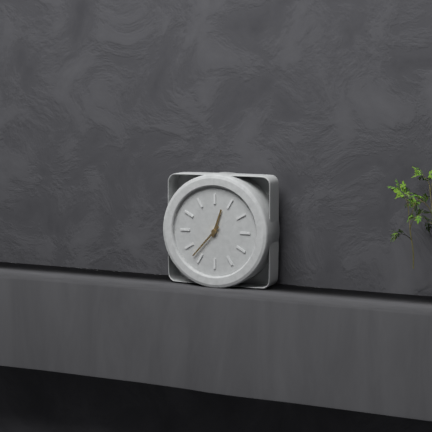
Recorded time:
{"hour": 12, "minute": 37}
